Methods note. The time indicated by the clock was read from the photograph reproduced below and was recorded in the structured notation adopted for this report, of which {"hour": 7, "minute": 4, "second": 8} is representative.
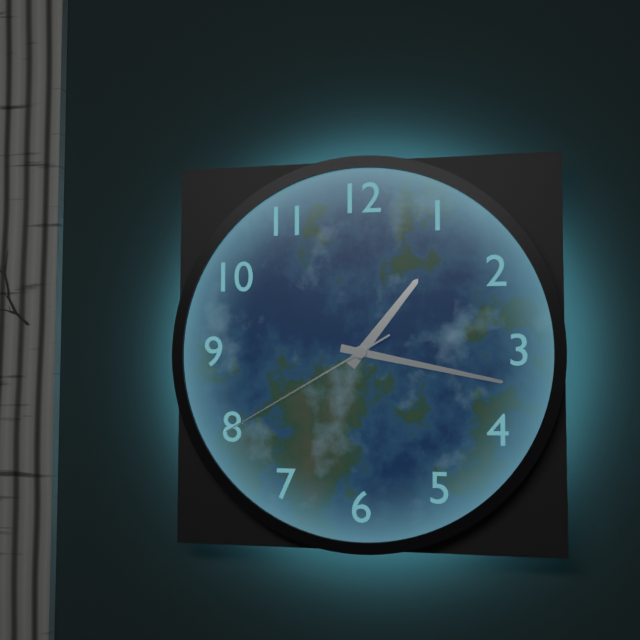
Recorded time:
{"hour": 1, "minute": 17, "second": 40}
